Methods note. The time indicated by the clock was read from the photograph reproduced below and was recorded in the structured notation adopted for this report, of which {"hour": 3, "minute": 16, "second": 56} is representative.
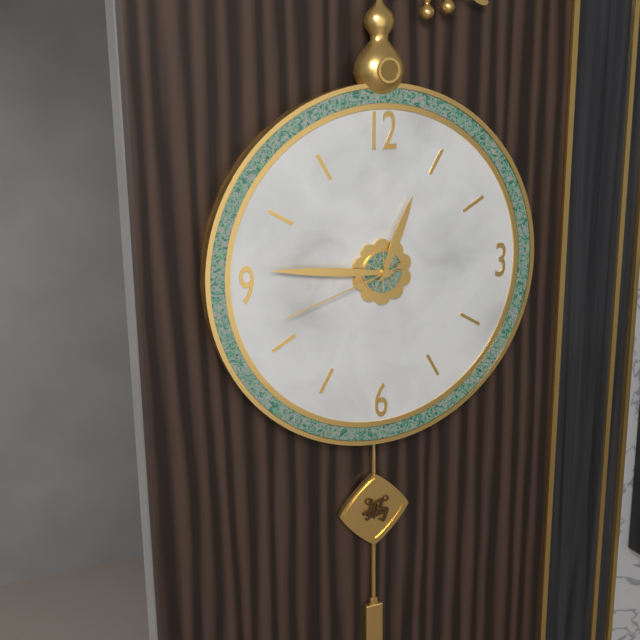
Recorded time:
{"hour": 12, "minute": 46, "second": 42}
